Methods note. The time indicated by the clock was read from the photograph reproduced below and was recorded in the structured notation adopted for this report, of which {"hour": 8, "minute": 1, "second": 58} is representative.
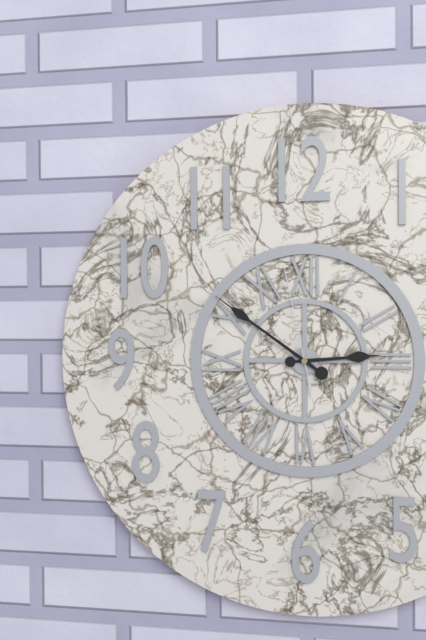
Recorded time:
{"hour": 2, "minute": 51, "second": 58}
